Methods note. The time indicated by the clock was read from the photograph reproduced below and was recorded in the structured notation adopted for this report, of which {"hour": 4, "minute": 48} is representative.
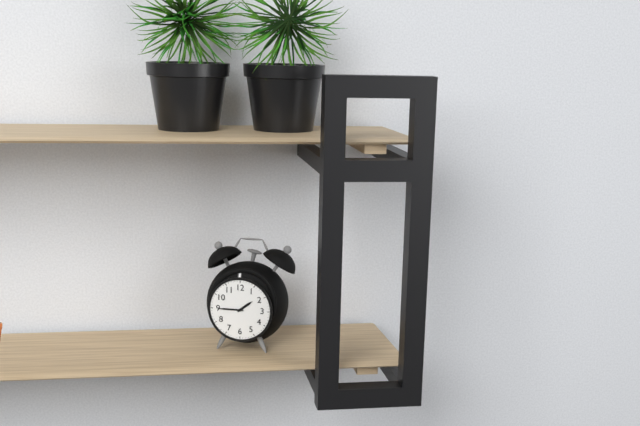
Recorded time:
{"hour": 1, "minute": 45}
